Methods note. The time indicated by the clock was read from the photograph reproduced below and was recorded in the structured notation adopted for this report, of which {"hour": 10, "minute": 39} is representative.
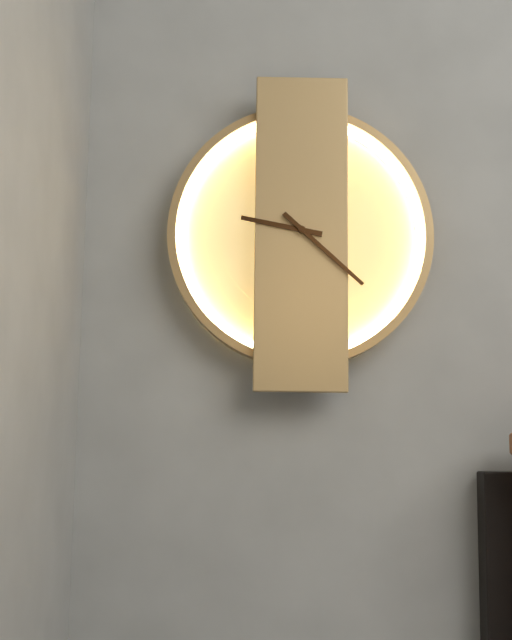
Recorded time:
{"hour": 9, "minute": 22}
